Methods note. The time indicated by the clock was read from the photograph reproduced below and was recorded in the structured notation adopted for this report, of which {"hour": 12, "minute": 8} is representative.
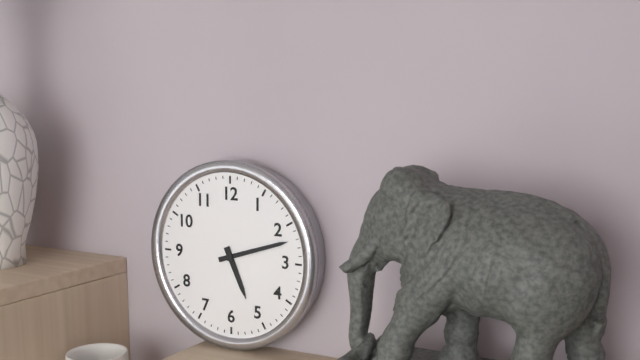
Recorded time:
{"hour": 5, "minute": 12}
